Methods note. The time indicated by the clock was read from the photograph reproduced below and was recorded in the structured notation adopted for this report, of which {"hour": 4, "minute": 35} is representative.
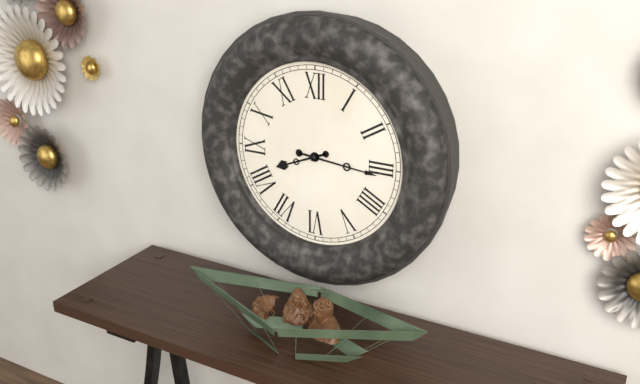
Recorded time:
{"hour": 8, "minute": 16}
